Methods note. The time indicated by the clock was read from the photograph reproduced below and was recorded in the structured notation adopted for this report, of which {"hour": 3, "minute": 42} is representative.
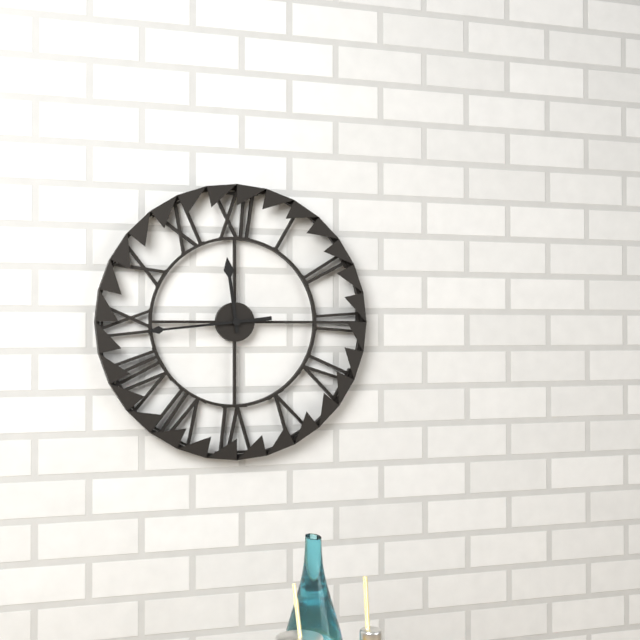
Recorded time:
{"hour": 11, "minute": 44}
